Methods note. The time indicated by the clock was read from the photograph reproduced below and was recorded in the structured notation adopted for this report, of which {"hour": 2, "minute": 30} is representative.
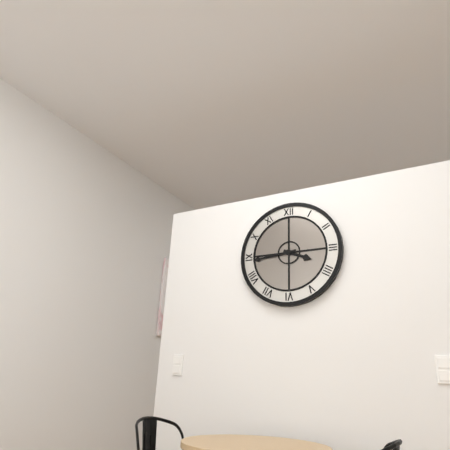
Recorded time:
{"hour": 3, "minute": 44}
